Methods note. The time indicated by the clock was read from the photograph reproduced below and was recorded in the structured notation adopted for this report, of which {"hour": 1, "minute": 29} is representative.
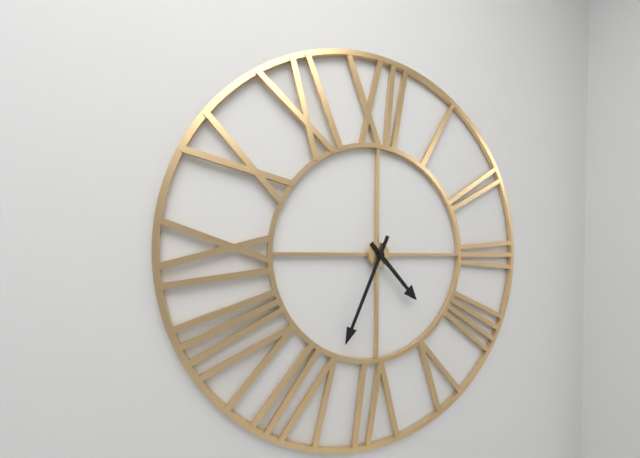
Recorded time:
{"hour": 4, "minute": 34}
